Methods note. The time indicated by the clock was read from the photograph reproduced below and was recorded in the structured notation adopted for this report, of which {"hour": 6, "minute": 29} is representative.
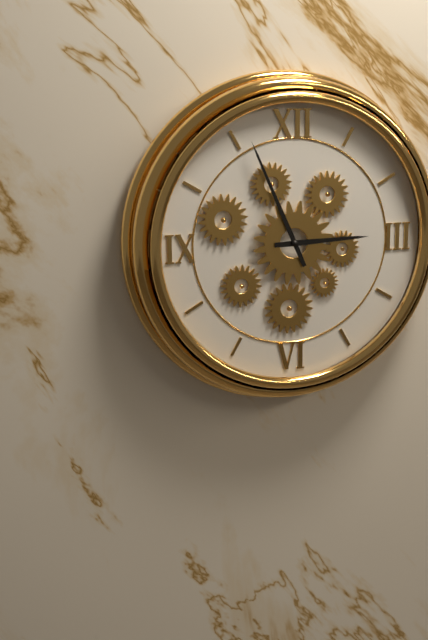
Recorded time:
{"hour": 2, "minute": 56}
